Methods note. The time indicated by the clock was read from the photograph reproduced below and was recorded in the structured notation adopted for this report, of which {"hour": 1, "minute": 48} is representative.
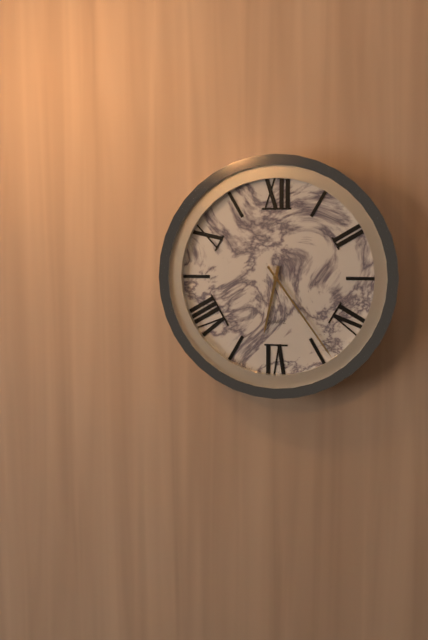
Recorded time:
{"hour": 6, "minute": 24}
